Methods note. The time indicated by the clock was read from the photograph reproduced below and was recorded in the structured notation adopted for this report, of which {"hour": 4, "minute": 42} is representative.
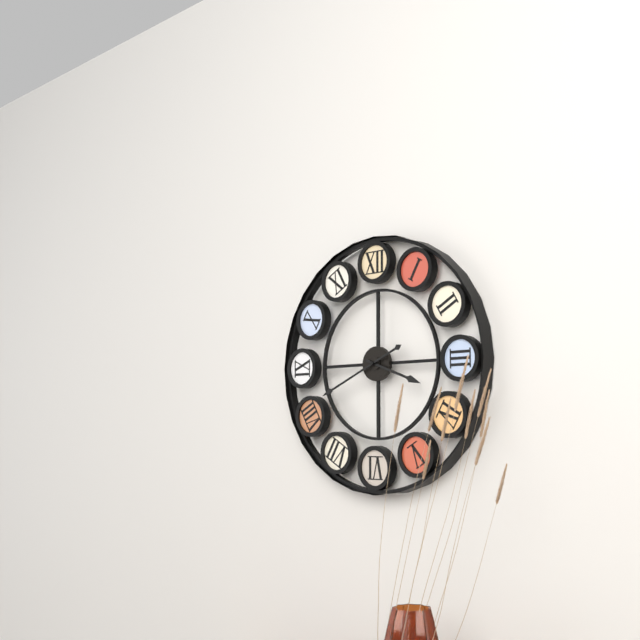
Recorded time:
{"hour": 3, "minute": 41}
